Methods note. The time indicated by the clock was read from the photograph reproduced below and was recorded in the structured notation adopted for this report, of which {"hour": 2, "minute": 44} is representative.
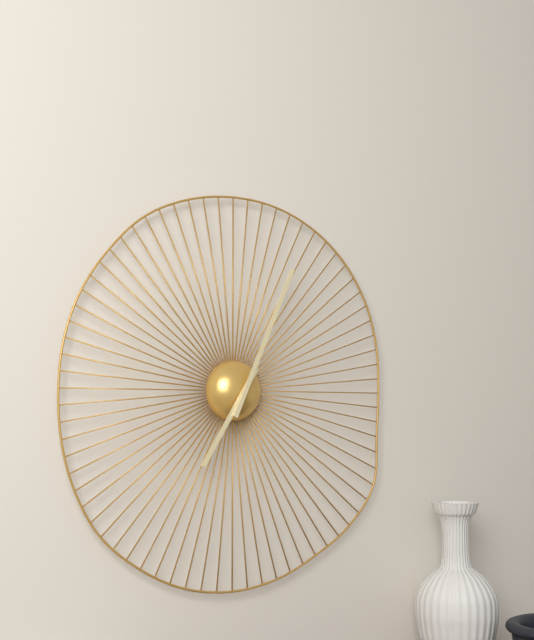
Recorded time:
{"hour": 7, "minute": 4}
